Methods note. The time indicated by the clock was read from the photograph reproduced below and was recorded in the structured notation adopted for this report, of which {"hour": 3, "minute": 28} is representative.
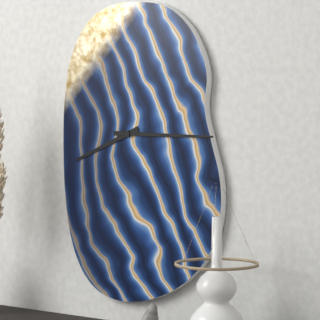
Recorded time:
{"hour": 8, "minute": 15}
